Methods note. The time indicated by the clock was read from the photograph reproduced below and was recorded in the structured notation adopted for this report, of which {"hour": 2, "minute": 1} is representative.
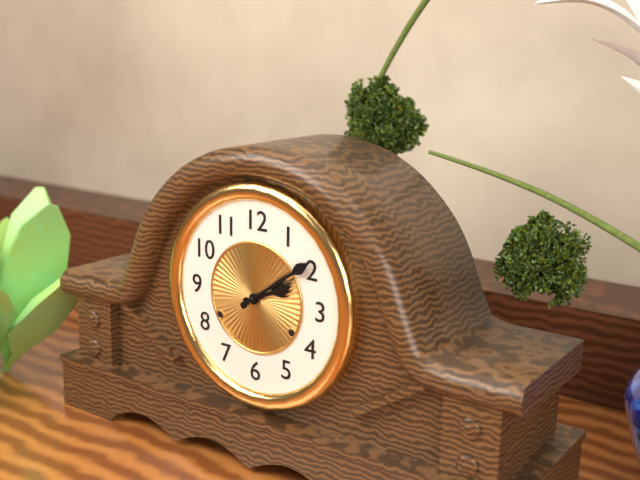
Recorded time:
{"hour": 2, "minute": 9}
